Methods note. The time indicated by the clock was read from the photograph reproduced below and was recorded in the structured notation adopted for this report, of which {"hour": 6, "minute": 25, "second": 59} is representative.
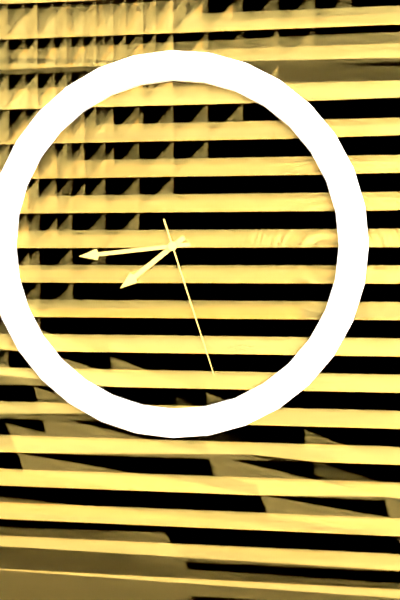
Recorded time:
{"hour": 7, "minute": 44, "second": 27}
